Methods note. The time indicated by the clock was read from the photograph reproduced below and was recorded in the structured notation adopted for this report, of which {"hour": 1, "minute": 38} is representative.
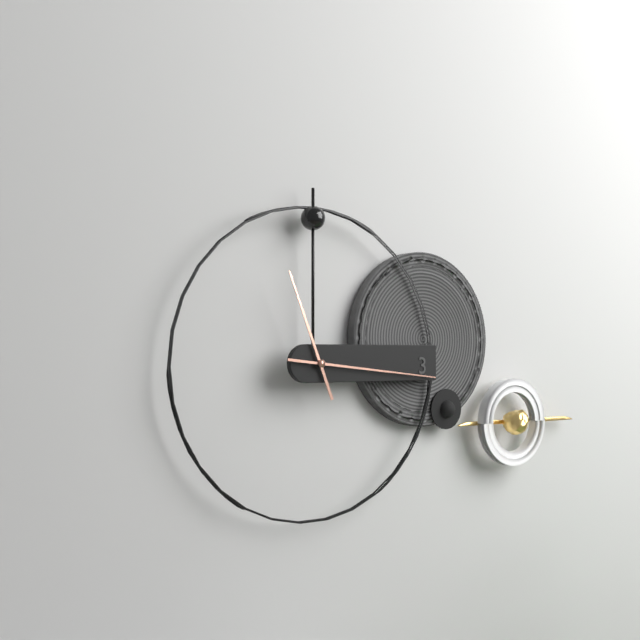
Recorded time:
{"hour": 11, "minute": 16}
